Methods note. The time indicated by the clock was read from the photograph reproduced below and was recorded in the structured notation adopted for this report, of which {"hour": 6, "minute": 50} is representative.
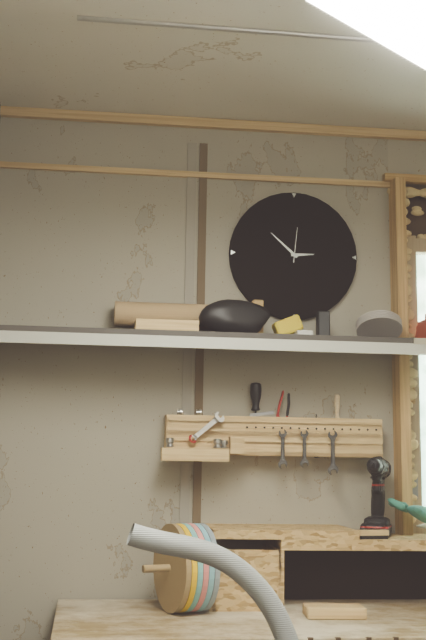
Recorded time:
{"hour": 2, "minute": 52}
